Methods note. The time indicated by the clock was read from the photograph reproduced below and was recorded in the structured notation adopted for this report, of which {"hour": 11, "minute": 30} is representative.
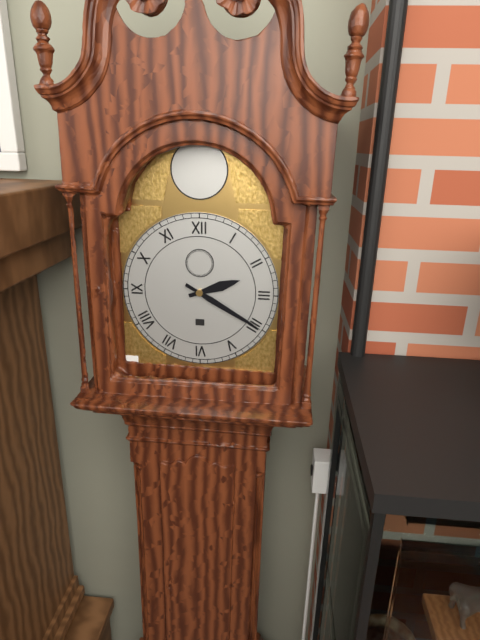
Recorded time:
{"hour": 2, "minute": 20}
